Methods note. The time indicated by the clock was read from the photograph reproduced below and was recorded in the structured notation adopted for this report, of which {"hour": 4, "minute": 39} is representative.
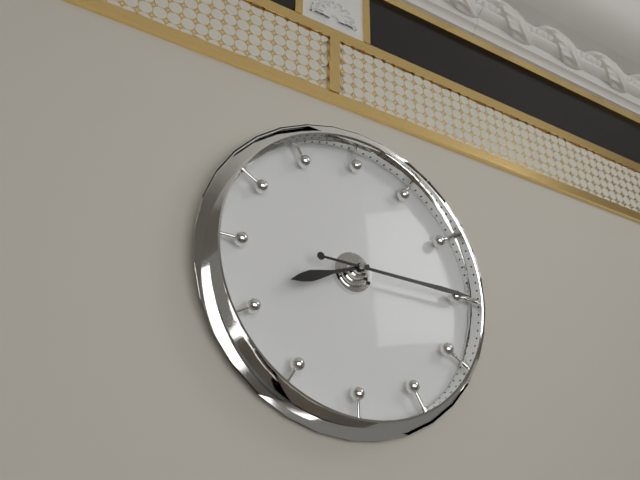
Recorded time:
{"hour": 8, "minute": 15}
